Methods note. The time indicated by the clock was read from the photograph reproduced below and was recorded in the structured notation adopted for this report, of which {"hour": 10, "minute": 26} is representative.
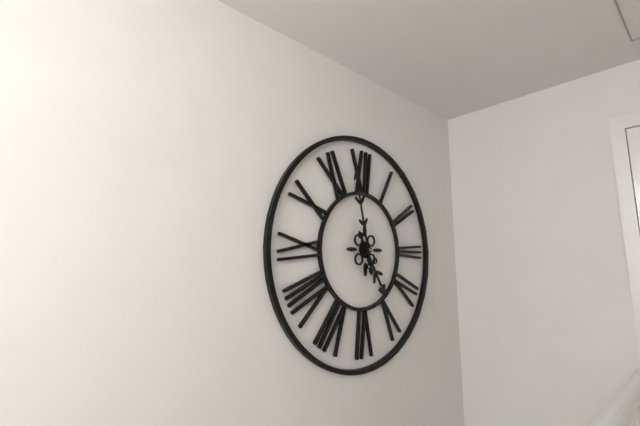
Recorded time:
{"hour": 4, "minute": 58}
